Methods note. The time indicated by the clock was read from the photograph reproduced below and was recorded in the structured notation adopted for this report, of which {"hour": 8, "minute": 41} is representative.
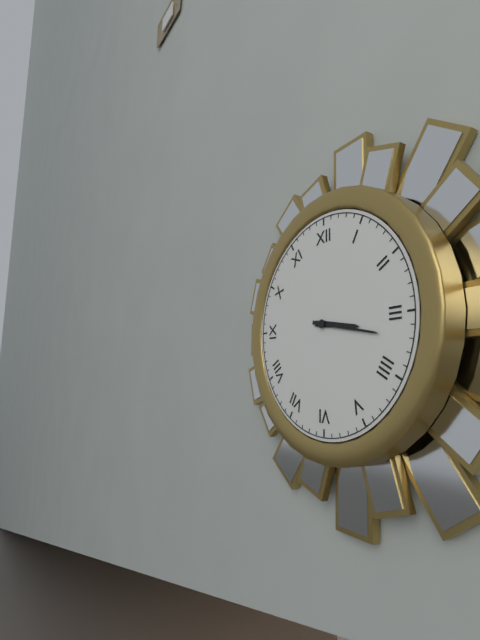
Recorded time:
{"hour": 3, "minute": 17}
